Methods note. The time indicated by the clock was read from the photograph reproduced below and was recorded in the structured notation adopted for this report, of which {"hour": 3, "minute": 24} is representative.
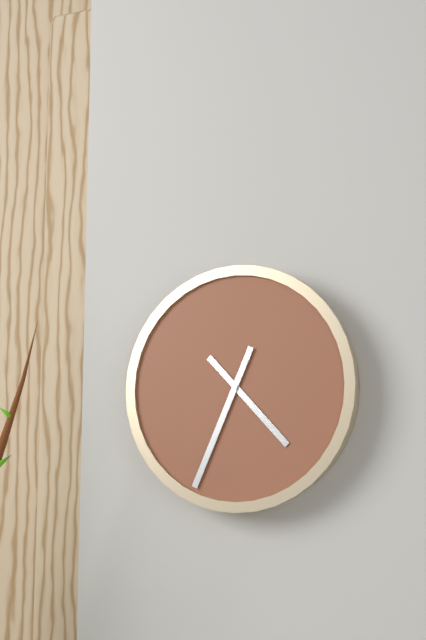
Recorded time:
{"hour": 4, "minute": 34}
